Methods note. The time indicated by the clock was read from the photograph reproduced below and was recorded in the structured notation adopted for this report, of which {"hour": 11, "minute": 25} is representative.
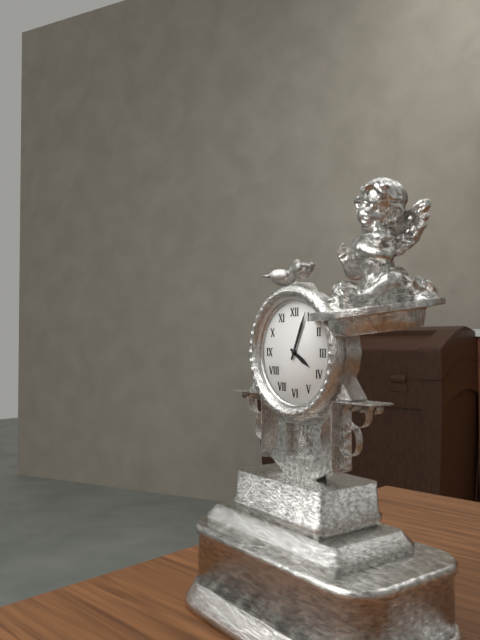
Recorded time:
{"hour": 4, "minute": 4}
